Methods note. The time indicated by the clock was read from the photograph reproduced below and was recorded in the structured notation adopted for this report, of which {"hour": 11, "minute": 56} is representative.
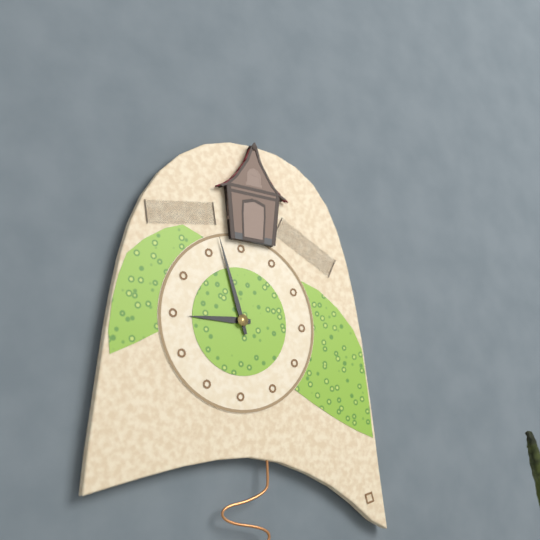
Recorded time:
{"hour": 8, "minute": 57}
